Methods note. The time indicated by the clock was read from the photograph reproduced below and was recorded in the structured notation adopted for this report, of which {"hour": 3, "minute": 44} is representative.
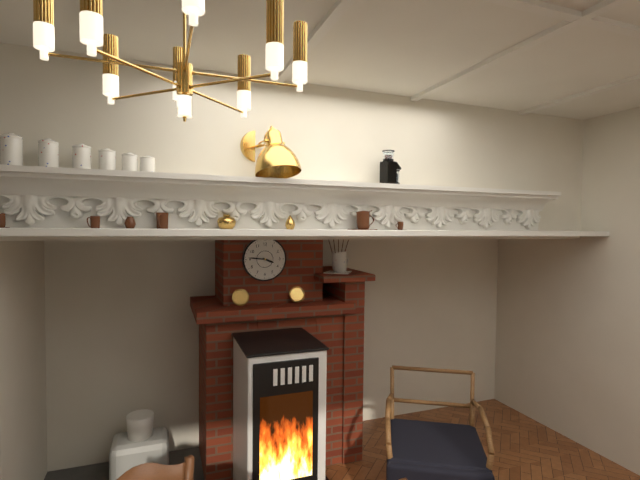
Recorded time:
{"hour": 3, "minute": 46}
